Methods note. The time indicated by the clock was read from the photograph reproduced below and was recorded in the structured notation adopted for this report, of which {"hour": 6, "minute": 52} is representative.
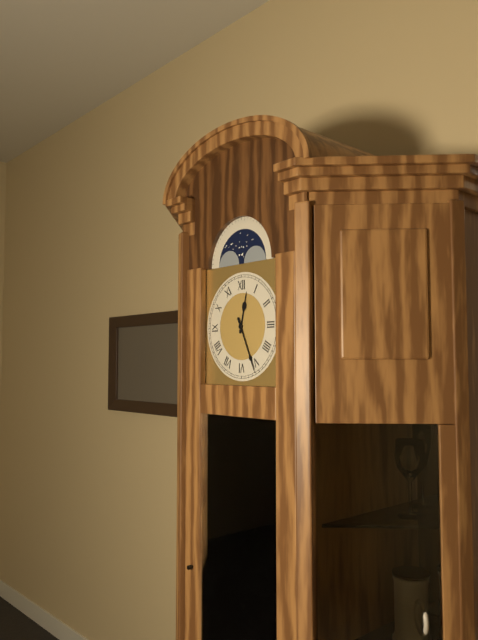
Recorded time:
{"hour": 12, "minute": 26}
